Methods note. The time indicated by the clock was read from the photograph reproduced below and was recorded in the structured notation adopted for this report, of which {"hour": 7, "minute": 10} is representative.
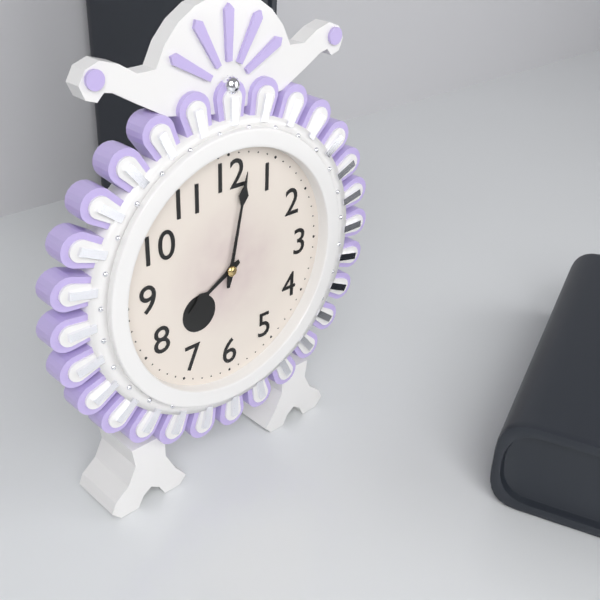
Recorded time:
{"hour": 8, "minute": 2}
